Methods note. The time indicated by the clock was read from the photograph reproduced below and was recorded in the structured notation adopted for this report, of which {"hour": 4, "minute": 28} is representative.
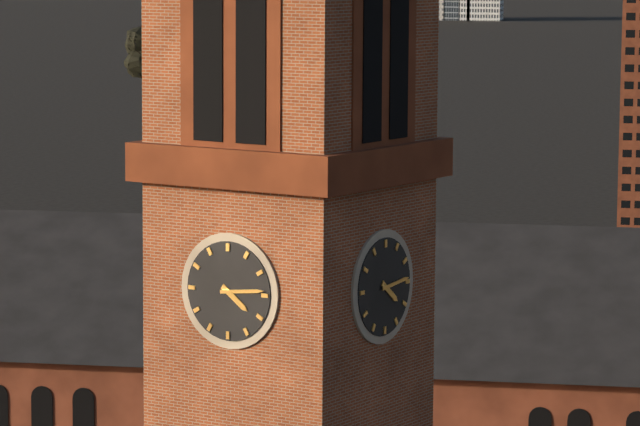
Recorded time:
{"hour": 4, "minute": 14}
